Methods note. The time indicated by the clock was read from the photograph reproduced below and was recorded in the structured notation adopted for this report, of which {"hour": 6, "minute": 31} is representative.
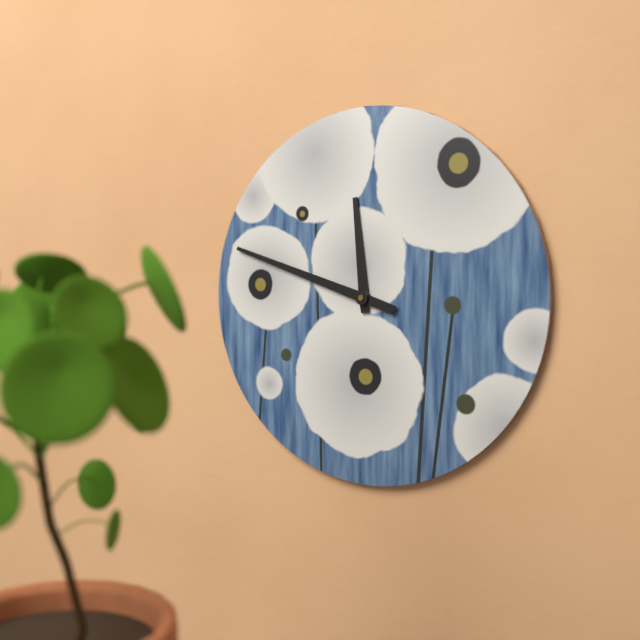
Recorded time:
{"hour": 11, "minute": 48}
